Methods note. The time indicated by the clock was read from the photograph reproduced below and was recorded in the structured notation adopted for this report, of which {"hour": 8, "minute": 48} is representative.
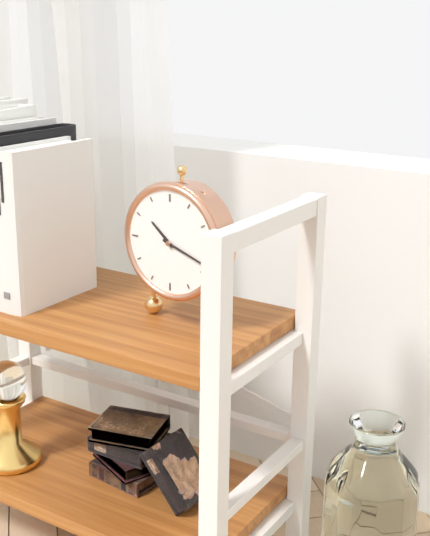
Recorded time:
{"hour": 10, "minute": 18}
